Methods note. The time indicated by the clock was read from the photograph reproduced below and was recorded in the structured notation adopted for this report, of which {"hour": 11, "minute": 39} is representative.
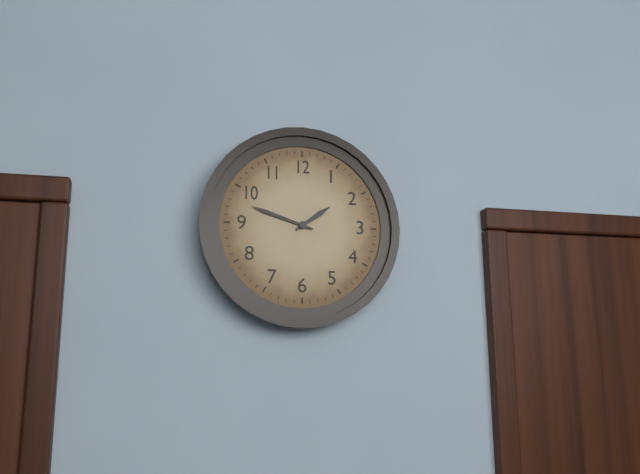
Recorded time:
{"hour": 1, "minute": 48}
